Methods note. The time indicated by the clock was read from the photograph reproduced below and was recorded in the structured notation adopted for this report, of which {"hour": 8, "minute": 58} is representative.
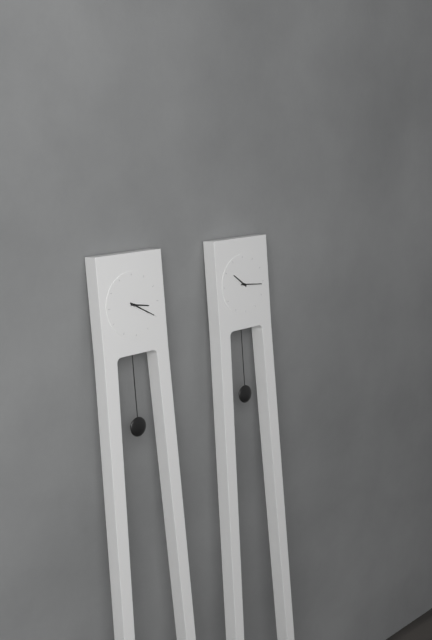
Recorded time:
{"hour": 3, "minute": 20}
